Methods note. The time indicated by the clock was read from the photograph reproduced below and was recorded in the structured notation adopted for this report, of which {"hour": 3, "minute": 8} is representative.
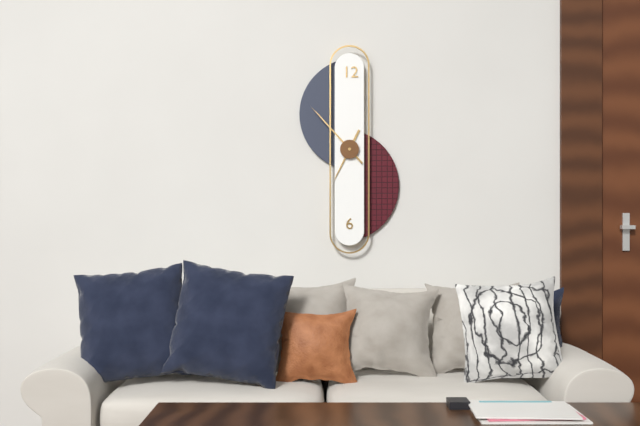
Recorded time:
{"hour": 6, "minute": 53}
